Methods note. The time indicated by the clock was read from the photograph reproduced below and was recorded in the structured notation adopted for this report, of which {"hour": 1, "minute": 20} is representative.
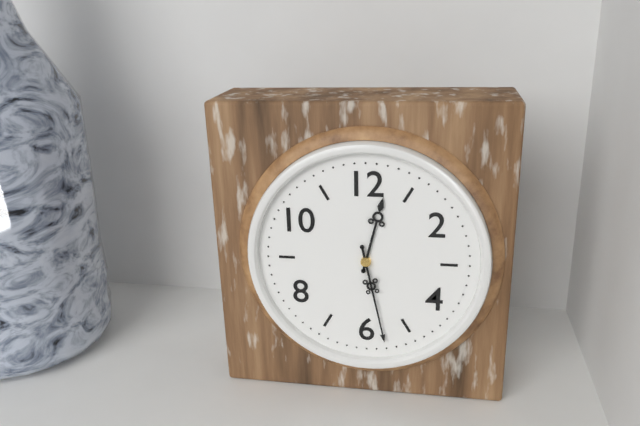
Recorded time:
{"hour": 12, "minute": 28}
